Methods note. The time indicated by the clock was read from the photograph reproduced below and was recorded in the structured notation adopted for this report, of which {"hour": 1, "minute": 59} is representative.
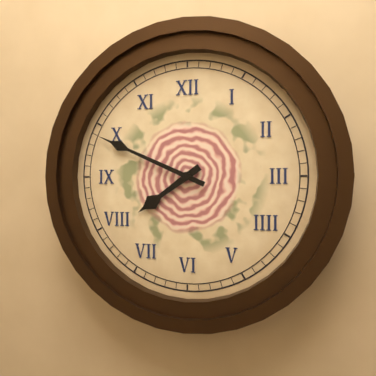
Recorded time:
{"hour": 7, "minute": 49}
